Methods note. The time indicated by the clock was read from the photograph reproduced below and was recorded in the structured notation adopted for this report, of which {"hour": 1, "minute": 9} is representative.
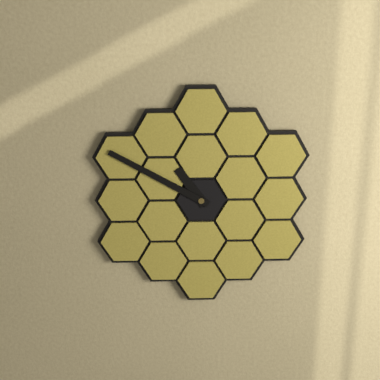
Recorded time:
{"hour": 10, "minute": 50}
